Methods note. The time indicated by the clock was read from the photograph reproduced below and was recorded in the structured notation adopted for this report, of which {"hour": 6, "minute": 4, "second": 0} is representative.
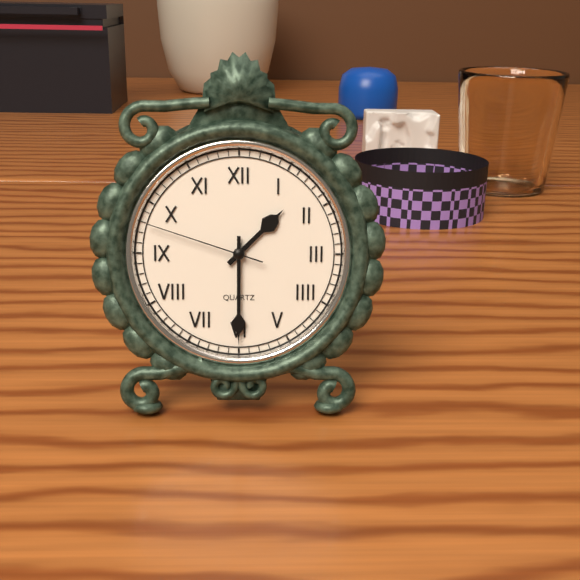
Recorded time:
{"hour": 1, "minute": 30, "second": 48}
